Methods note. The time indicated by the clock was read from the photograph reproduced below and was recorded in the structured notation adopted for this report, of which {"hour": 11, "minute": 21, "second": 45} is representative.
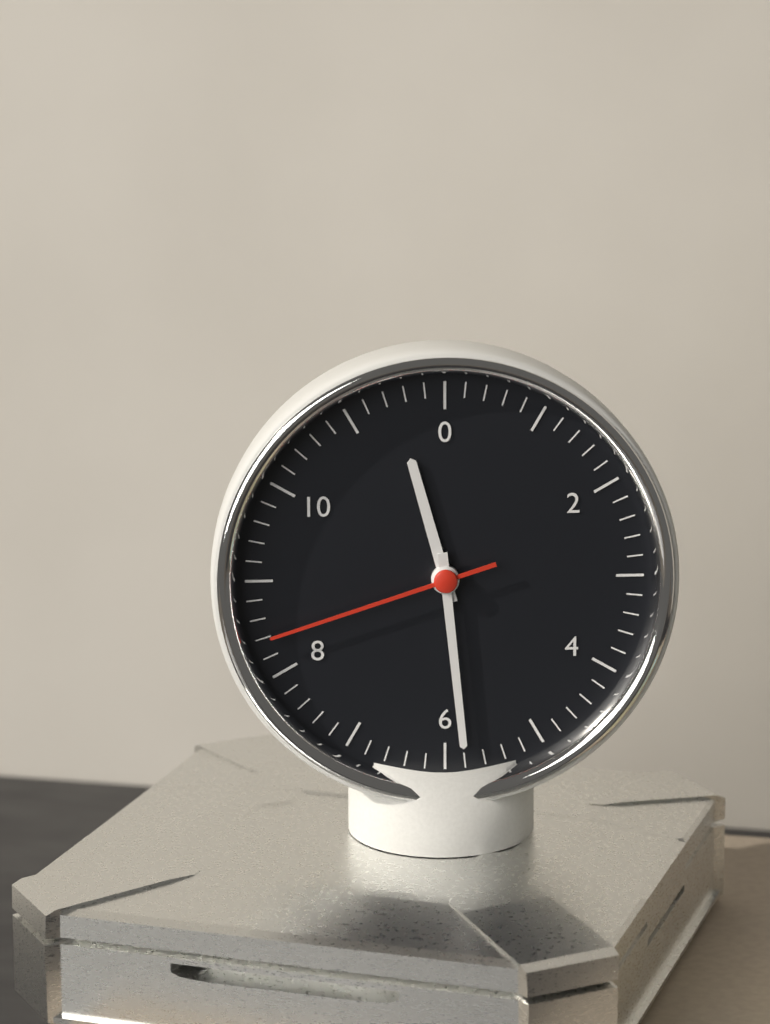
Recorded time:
{"hour": 11, "minute": 29, "second": 42}
